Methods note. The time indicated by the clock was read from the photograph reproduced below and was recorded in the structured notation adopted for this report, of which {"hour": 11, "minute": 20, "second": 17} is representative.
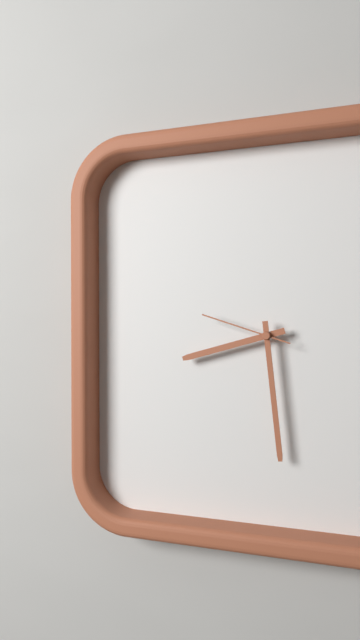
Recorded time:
{"hour": 8, "minute": 29, "second": 48}
